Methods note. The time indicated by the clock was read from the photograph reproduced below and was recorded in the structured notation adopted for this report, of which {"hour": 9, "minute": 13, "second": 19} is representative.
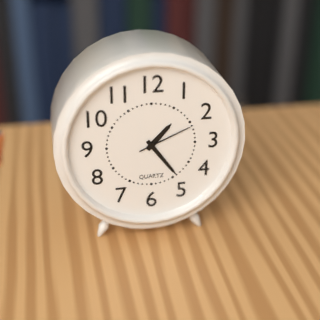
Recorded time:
{"hour": 1, "minute": 24, "second": 11}
